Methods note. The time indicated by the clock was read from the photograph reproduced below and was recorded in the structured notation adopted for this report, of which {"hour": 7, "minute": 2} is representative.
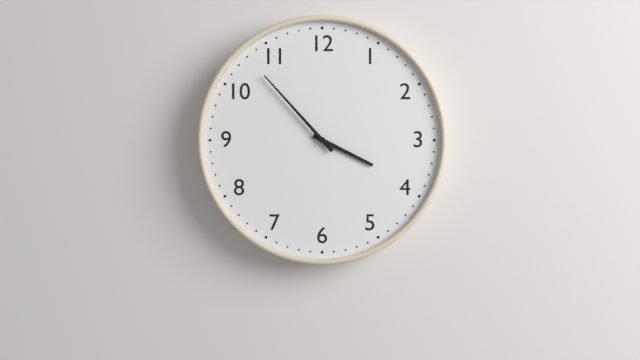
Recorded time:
{"hour": 3, "minute": 53}
